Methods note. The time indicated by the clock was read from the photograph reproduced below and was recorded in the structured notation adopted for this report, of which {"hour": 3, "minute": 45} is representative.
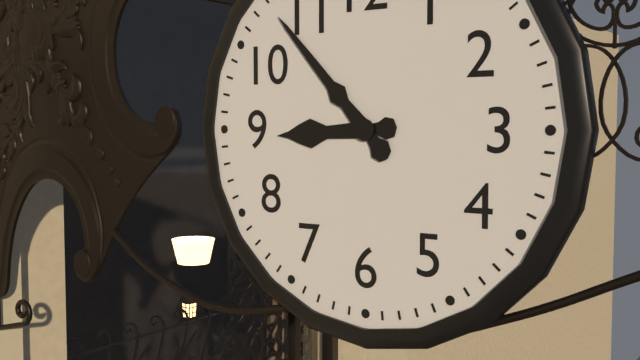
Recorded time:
{"hour": 8, "minute": 53}
